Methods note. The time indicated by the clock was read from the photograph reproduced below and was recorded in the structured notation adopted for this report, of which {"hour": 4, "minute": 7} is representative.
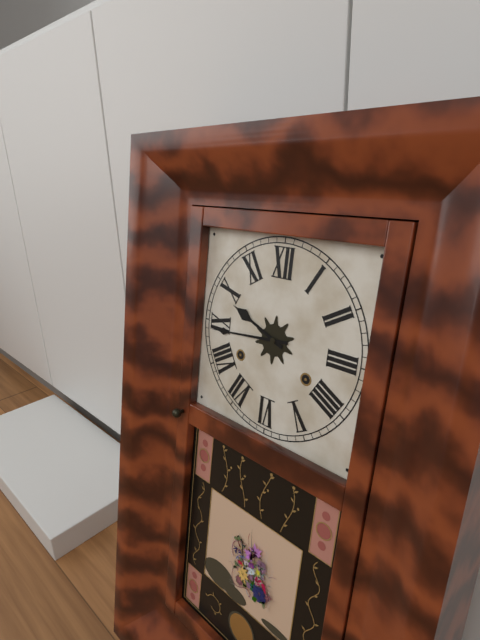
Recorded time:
{"hour": 9, "minute": 44}
